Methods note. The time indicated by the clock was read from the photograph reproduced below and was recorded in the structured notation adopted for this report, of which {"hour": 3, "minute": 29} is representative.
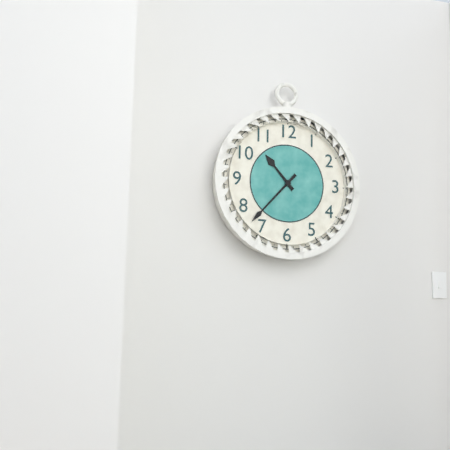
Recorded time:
{"hour": 10, "minute": 37}
